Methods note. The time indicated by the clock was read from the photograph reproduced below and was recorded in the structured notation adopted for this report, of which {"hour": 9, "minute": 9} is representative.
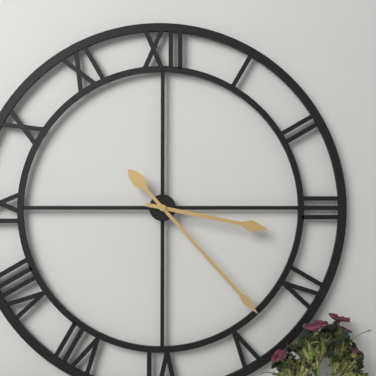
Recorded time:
{"hour": 3, "minute": 23}
